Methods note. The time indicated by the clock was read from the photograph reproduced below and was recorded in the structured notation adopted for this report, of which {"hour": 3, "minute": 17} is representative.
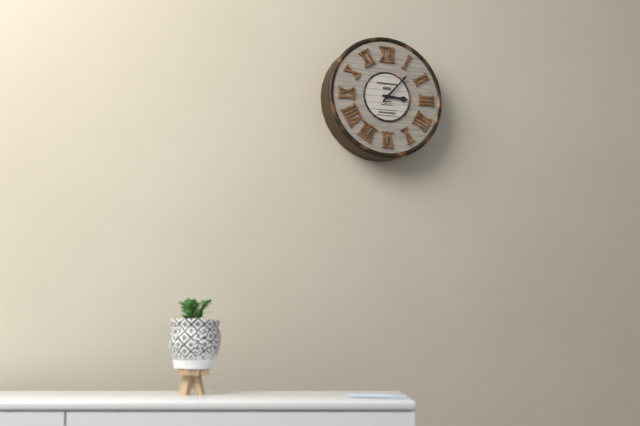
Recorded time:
{"hour": 3, "minute": 7}
